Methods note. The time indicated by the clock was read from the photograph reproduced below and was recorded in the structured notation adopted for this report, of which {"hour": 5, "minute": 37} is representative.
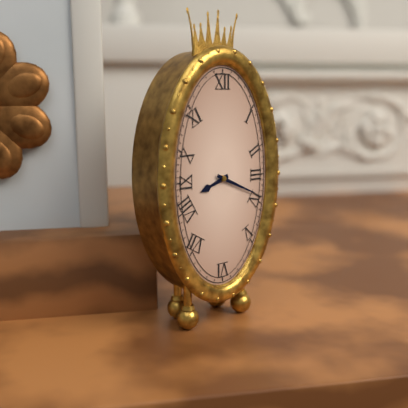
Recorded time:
{"hour": 8, "minute": 19}
